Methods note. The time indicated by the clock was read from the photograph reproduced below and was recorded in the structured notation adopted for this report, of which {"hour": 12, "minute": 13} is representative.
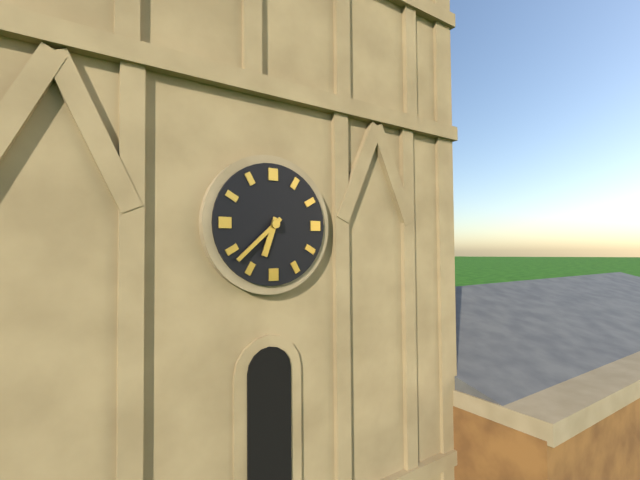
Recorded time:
{"hour": 6, "minute": 38}
